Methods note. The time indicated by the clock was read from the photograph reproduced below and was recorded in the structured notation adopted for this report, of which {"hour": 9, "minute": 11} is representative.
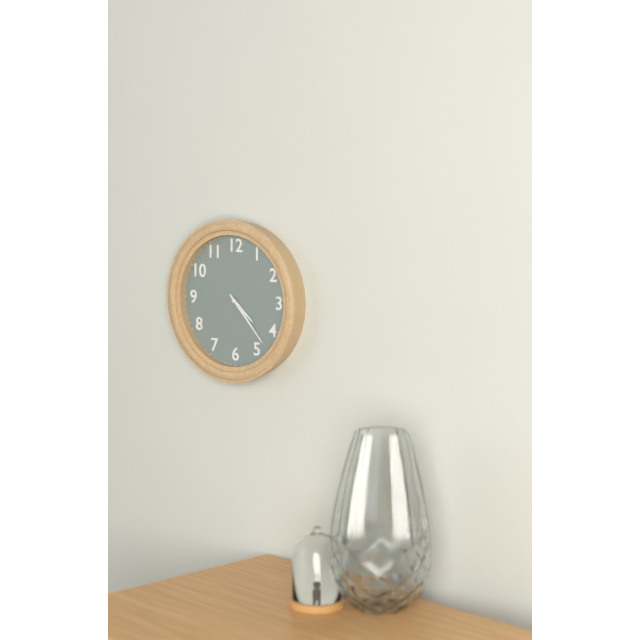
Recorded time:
{"hour": 4, "minute": 23}
